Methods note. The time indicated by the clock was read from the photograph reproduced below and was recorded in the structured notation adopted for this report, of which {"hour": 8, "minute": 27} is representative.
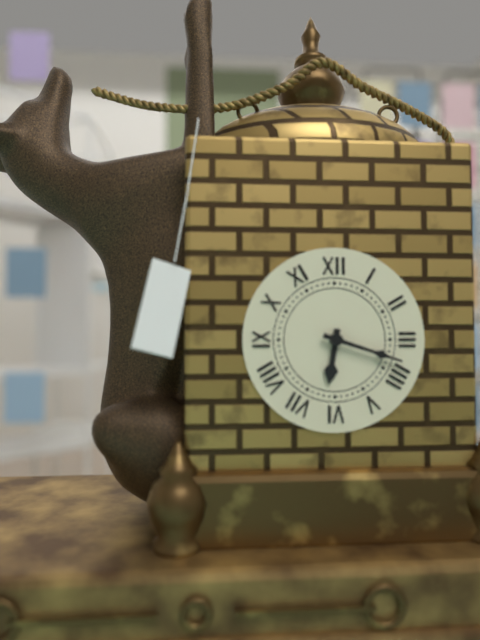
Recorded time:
{"hour": 6, "minute": 18}
